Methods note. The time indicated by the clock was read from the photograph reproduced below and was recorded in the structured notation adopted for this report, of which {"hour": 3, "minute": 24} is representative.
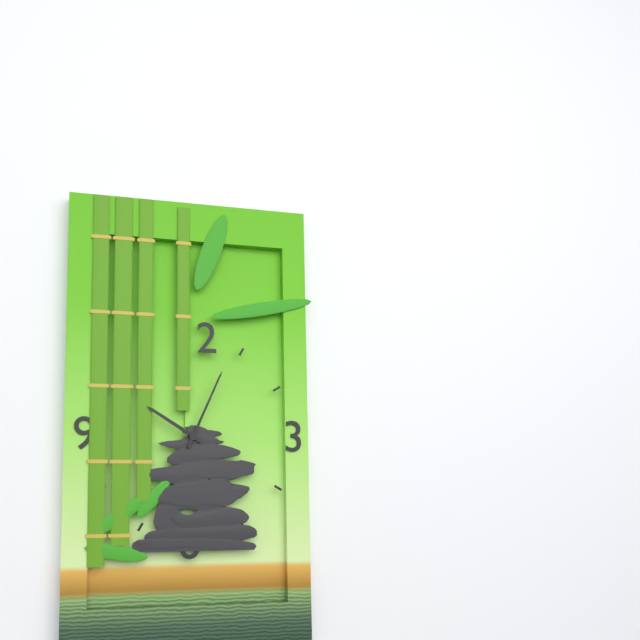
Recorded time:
{"hour": 10, "minute": 4}
